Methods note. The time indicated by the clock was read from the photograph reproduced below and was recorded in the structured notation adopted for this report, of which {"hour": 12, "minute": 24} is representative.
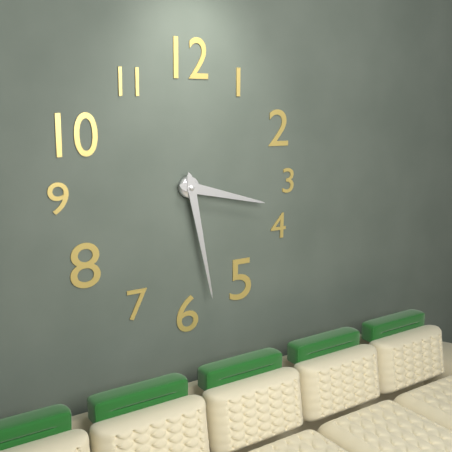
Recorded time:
{"hour": 3, "minute": 28}
